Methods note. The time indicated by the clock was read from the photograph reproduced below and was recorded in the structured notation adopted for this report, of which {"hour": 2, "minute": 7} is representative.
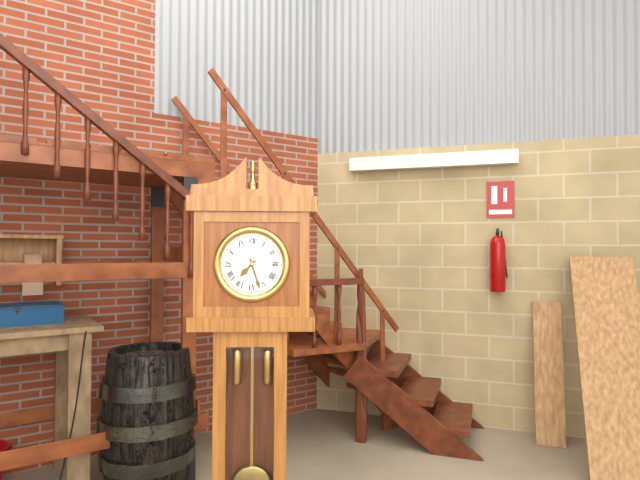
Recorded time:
{"hour": 7, "minute": 27}
